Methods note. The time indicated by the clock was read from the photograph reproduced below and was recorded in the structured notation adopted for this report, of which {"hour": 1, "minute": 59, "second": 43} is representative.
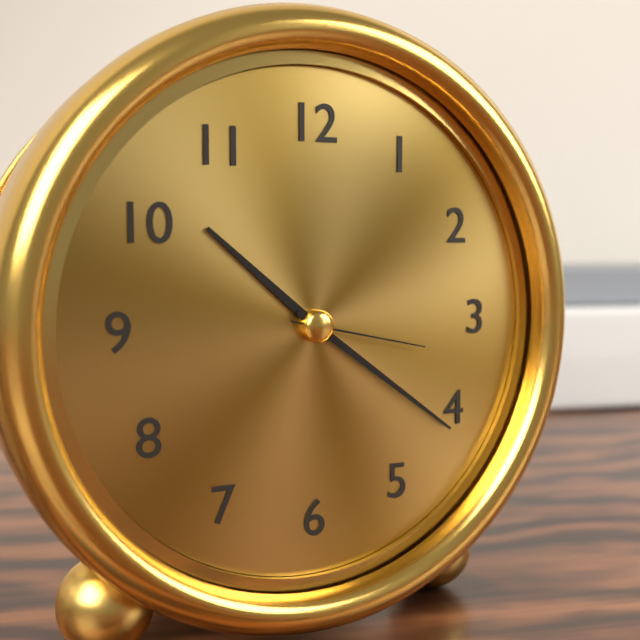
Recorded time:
{"hour": 10, "minute": 21, "second": 17}
